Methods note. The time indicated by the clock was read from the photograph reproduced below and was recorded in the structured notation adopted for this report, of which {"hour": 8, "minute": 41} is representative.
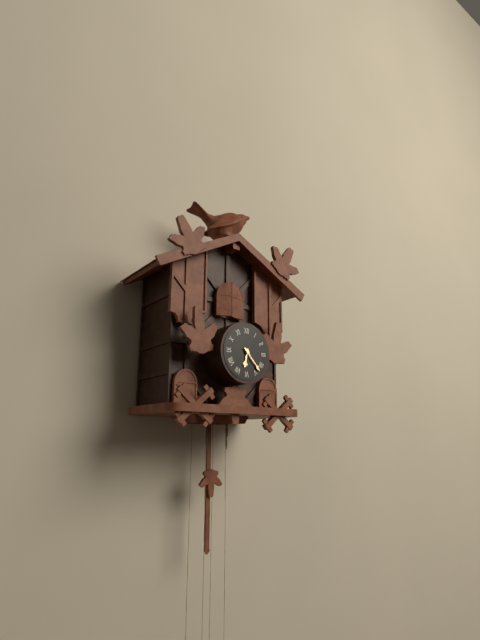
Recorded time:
{"hour": 6, "minute": 23}
